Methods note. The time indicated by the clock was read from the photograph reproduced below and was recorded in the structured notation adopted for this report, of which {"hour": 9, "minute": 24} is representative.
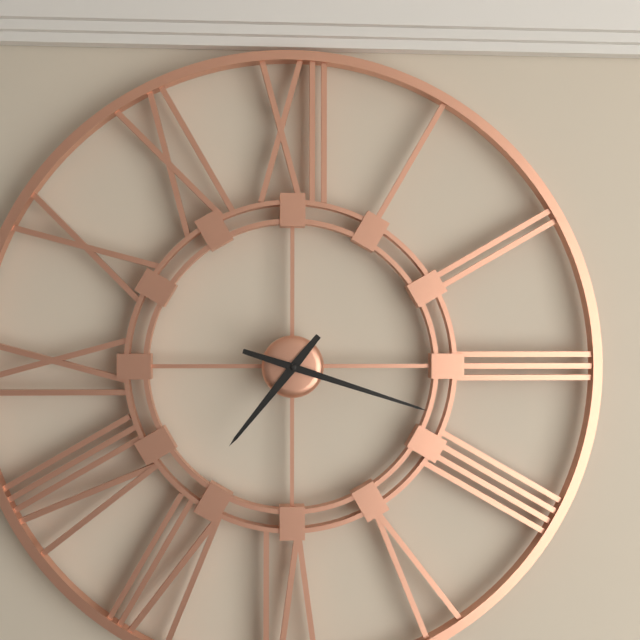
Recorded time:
{"hour": 7, "minute": 18}
